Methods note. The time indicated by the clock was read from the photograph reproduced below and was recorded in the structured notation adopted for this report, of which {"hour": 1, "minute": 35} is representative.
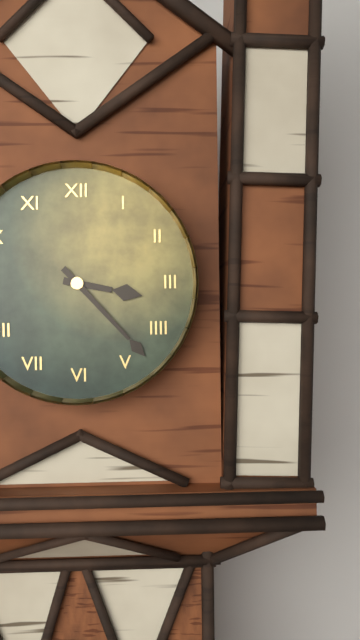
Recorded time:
{"hour": 3, "minute": 23}
